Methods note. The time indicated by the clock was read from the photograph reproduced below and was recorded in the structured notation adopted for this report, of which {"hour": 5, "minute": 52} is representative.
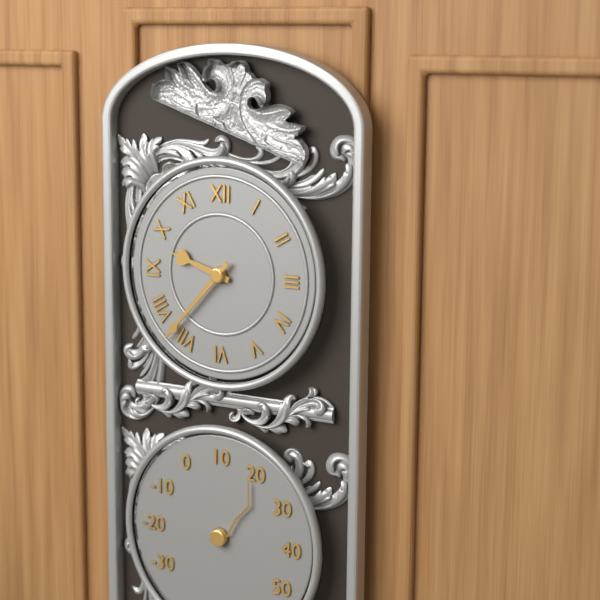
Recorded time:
{"hour": 9, "minute": 37}
